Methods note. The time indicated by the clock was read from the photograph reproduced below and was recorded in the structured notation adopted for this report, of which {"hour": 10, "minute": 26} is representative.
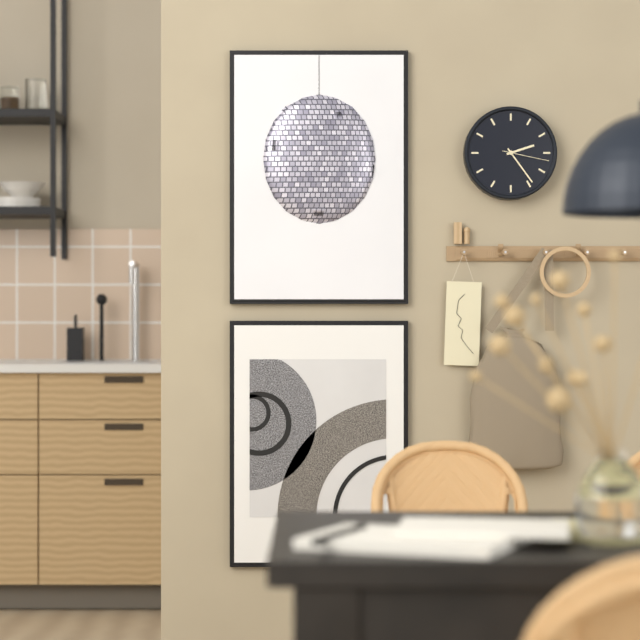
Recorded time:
{"hour": 2, "minute": 24}
